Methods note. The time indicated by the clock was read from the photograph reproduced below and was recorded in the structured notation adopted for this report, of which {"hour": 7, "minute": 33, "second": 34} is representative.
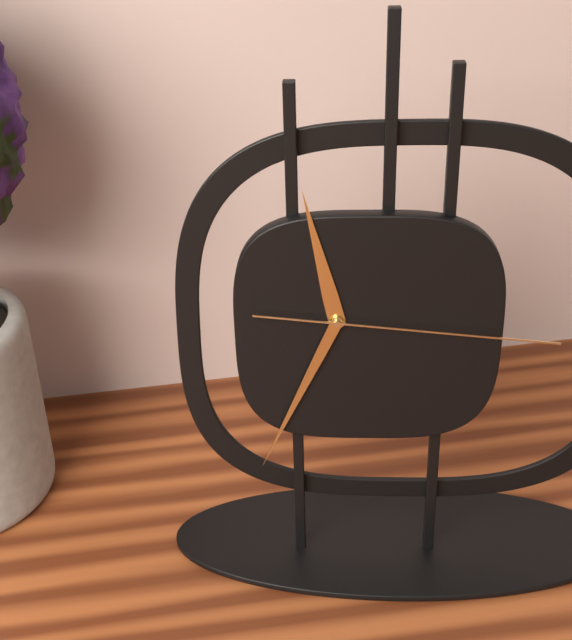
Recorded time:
{"hour": 11, "minute": 34, "second": 16}
